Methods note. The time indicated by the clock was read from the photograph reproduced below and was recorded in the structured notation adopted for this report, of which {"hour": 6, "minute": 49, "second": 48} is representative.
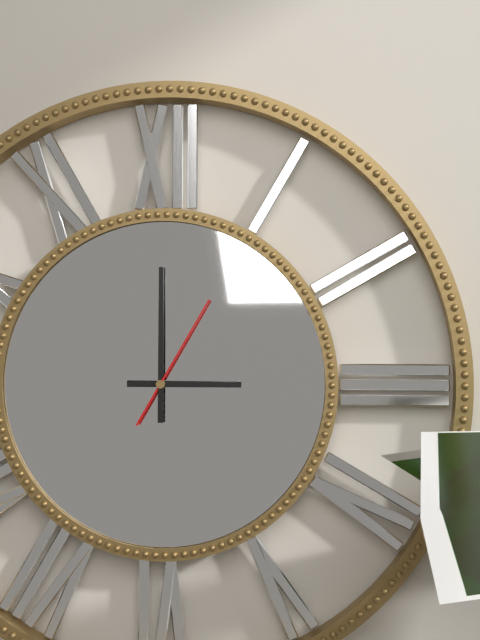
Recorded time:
{"hour": 3, "minute": 0, "second": 5}
